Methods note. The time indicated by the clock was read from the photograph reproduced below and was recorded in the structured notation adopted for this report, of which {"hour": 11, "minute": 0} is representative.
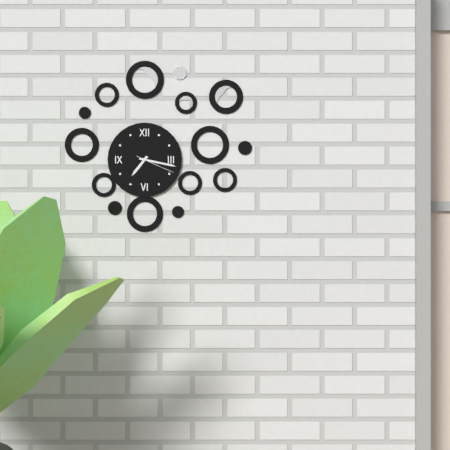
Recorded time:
{"hour": 7, "minute": 17}
